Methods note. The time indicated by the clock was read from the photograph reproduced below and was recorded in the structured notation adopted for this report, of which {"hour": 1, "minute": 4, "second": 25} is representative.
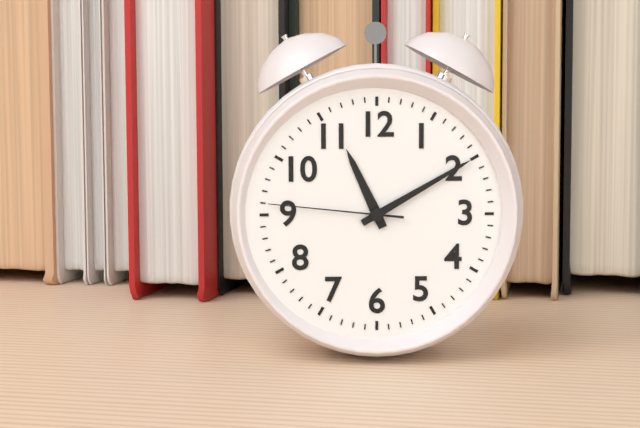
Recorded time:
{"hour": 11, "minute": 10, "second": 46}
